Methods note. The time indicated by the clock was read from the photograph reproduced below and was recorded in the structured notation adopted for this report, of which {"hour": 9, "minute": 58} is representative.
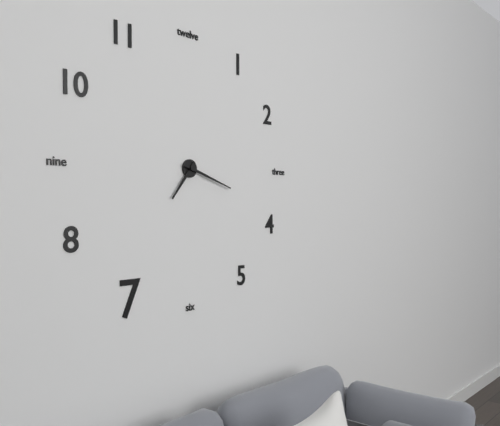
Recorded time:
{"hour": 7, "minute": 18}
